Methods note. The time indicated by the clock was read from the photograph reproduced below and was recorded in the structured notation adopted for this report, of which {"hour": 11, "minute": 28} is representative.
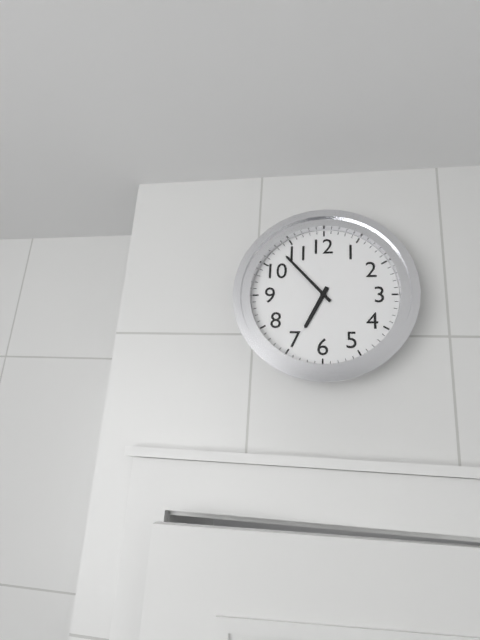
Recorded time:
{"hour": 6, "minute": 53}
